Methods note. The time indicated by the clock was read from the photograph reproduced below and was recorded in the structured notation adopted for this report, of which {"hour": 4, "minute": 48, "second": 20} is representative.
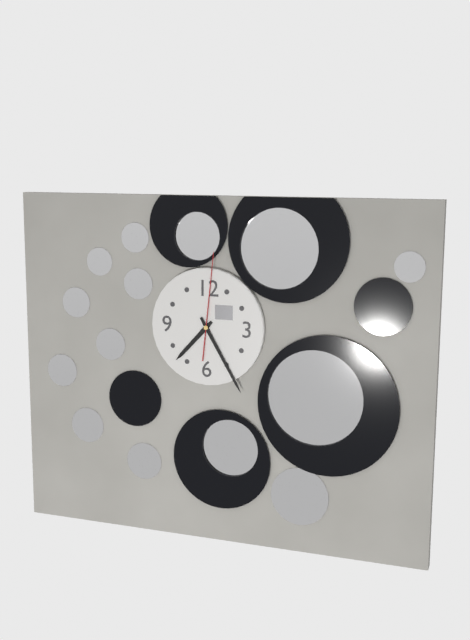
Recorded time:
{"hour": 7, "minute": 25, "second": 1}
